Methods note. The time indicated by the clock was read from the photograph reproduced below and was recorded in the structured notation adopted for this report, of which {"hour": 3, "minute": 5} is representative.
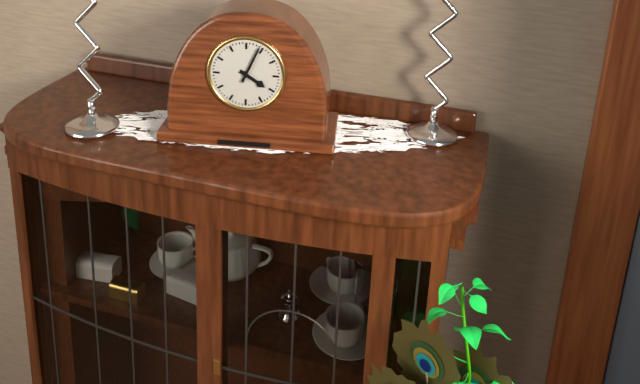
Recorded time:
{"hour": 4, "minute": 4}
